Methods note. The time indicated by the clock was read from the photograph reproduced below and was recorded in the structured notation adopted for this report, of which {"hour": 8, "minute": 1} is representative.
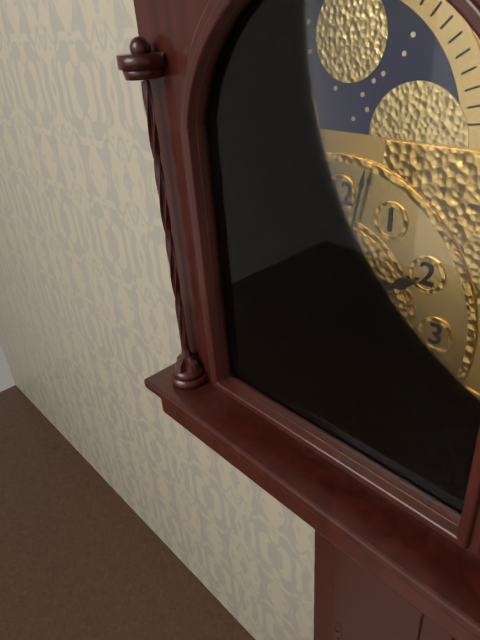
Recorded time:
{"hour": 2, "minute": 2}
